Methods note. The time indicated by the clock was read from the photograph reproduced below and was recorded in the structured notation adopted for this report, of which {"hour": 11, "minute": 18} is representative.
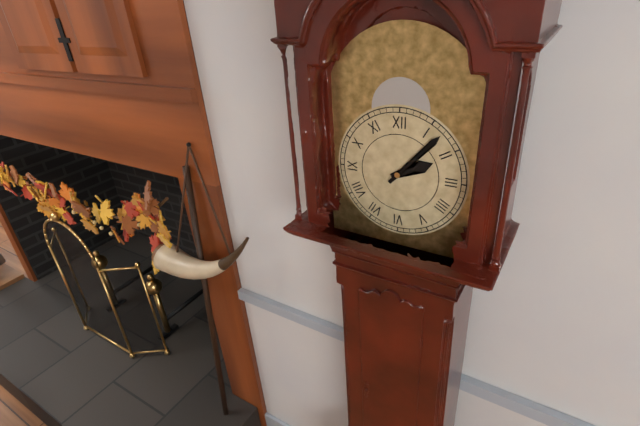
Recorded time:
{"hour": 2, "minute": 7}
